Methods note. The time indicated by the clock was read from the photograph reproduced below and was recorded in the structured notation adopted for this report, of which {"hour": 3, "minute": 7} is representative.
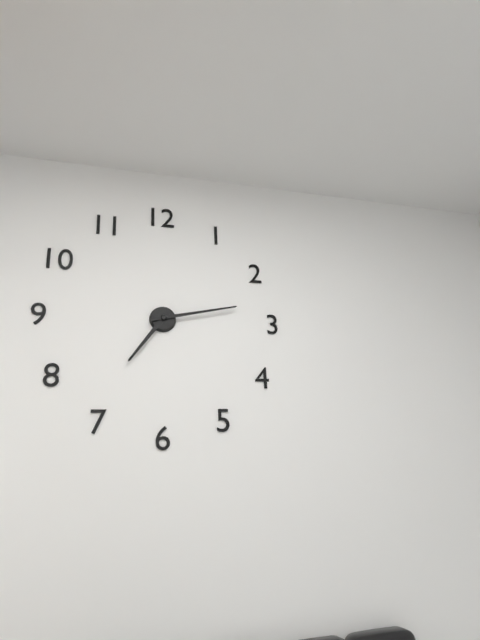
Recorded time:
{"hour": 7, "minute": 13}
